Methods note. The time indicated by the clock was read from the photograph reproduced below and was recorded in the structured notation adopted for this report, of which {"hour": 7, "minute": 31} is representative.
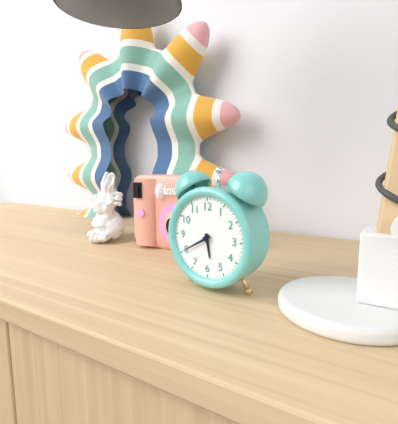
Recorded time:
{"hour": 5, "minute": 40}
